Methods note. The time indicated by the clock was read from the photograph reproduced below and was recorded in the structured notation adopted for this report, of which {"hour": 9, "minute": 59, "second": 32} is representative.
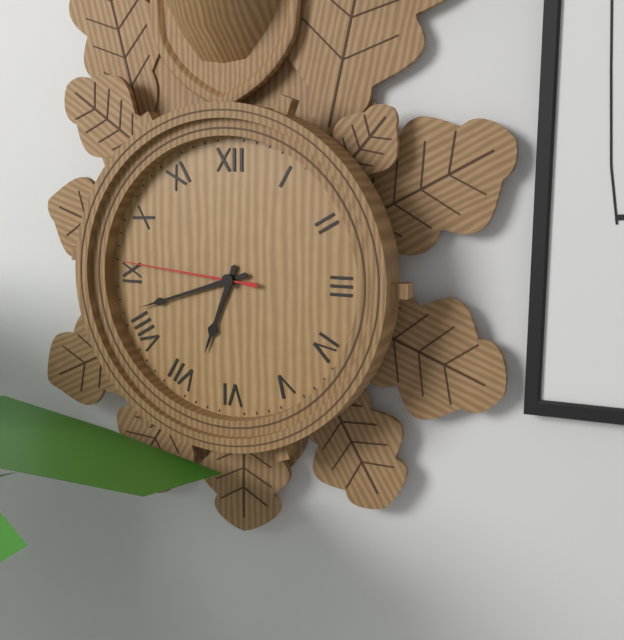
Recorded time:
{"hour": 6, "minute": 42, "second": 46}
